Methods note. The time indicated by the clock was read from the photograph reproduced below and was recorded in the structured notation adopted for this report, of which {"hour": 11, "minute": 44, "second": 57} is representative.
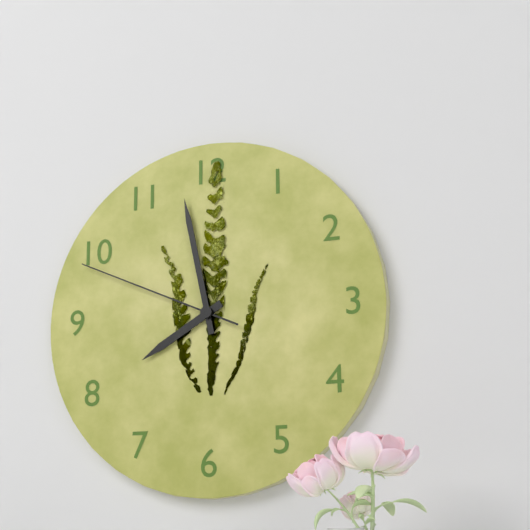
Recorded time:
{"hour": 7, "minute": 58, "second": 49}
